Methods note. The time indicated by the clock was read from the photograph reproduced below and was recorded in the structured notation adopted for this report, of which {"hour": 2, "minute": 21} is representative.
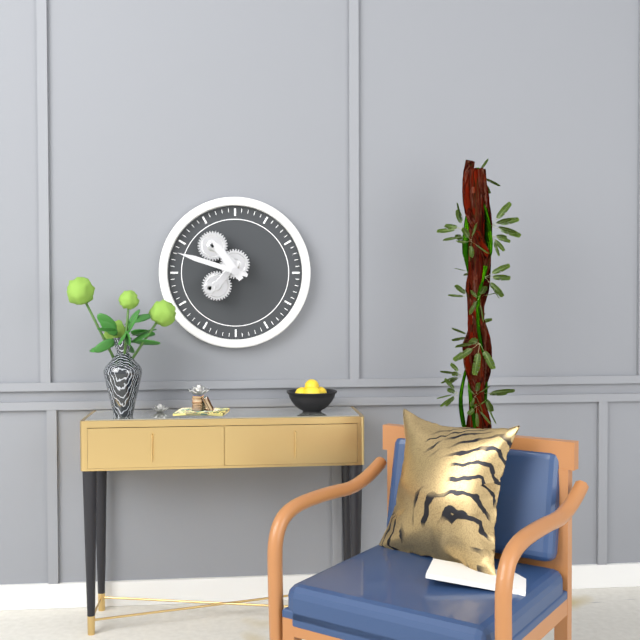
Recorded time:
{"hour": 10, "minute": 48}
